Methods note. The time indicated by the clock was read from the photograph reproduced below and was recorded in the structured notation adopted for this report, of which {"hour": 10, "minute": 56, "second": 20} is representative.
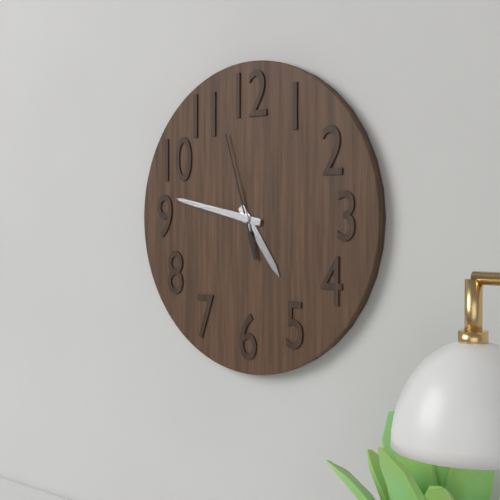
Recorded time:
{"hour": 4, "minute": 47, "second": 57}
